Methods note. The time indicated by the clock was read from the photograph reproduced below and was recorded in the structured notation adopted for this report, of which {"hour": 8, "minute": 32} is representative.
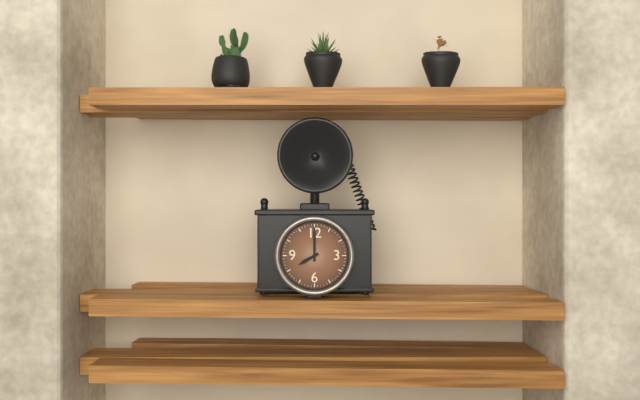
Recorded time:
{"hour": 8, "minute": 0}
